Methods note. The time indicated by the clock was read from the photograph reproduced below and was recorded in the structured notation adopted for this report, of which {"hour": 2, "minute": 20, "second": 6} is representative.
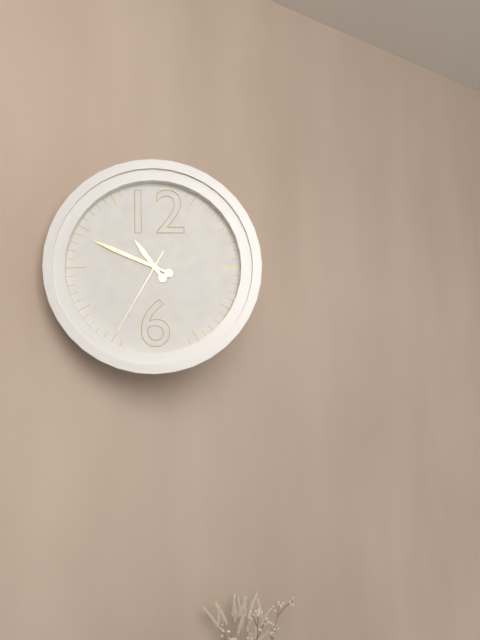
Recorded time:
{"hour": 10, "minute": 49, "second": 35}
